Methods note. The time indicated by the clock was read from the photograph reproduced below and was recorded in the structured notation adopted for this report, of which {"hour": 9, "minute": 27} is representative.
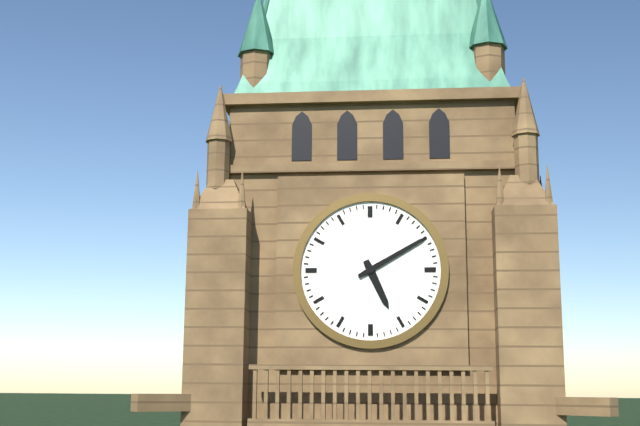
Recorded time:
{"hour": 5, "minute": 10}
